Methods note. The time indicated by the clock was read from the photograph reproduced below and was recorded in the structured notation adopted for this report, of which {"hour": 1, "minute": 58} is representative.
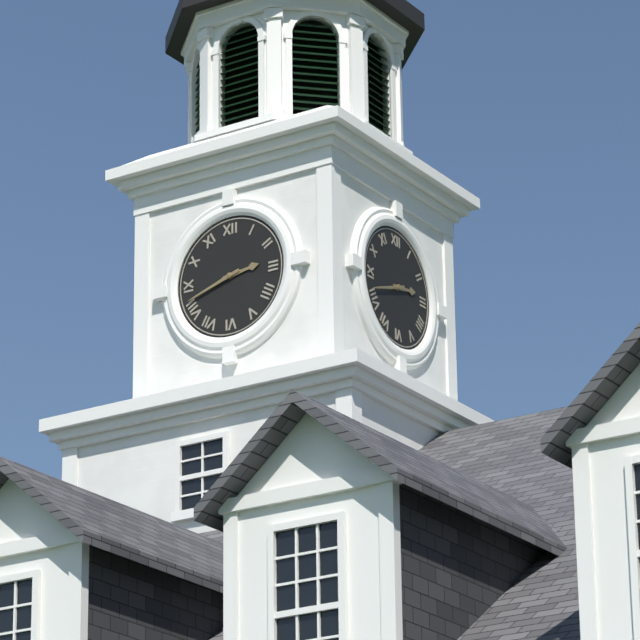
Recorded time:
{"hour": 2, "minute": 42}
